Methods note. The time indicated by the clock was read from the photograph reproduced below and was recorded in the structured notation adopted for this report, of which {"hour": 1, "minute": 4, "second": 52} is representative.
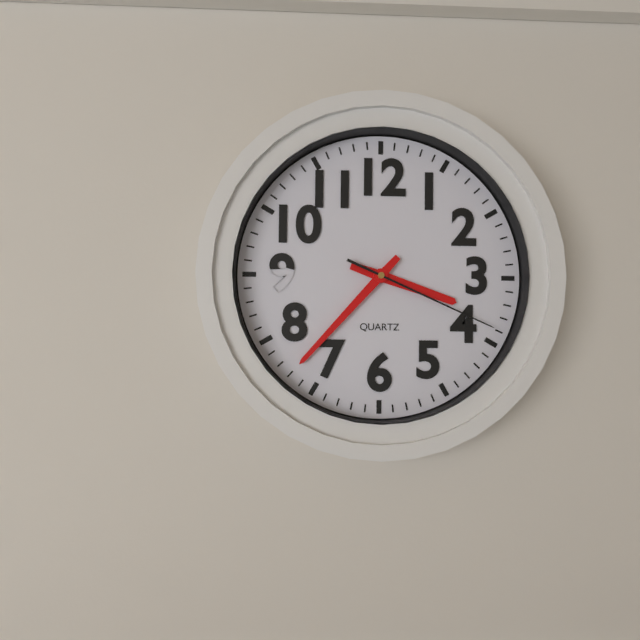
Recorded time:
{"hour": 3, "minute": 37, "second": 19}
